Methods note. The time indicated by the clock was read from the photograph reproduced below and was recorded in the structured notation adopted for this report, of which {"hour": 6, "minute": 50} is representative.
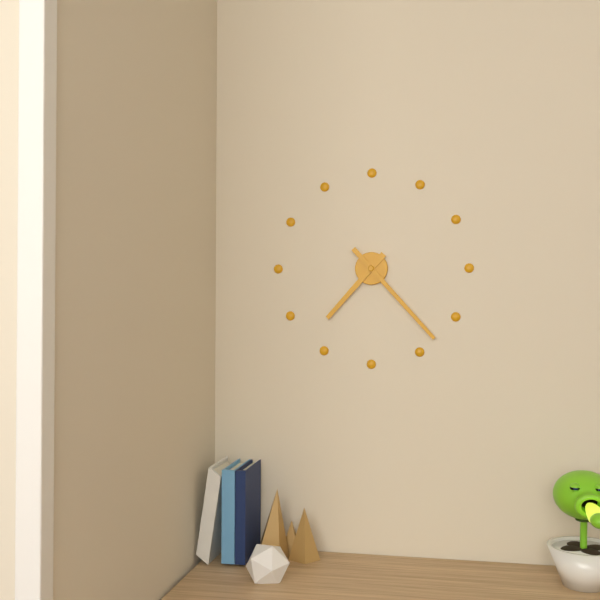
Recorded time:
{"hour": 7, "minute": 23}
